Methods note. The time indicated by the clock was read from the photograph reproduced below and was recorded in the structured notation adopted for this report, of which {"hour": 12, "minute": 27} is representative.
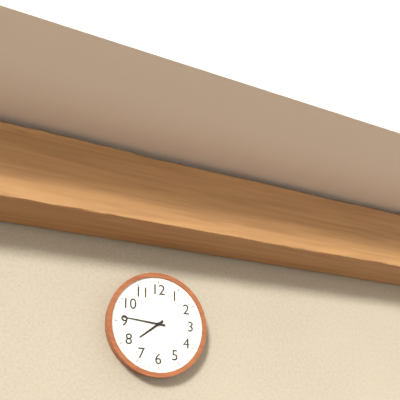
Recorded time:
{"hour": 7, "minute": 46}
